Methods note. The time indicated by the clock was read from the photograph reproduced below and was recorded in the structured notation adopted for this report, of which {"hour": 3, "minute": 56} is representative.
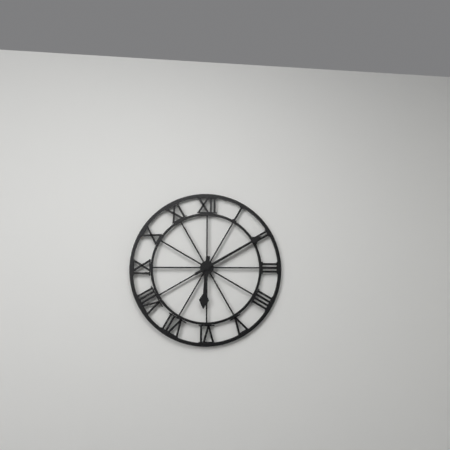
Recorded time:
{"hour": 6, "minute": 10}
